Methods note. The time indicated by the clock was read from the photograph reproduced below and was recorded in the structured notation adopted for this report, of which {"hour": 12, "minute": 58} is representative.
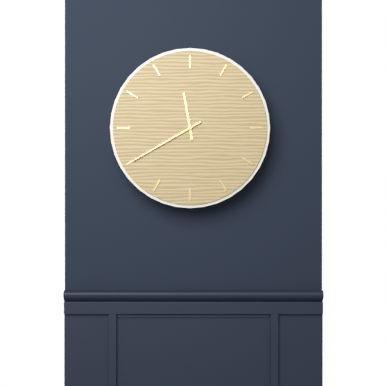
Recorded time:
{"hour": 11, "minute": 40}
